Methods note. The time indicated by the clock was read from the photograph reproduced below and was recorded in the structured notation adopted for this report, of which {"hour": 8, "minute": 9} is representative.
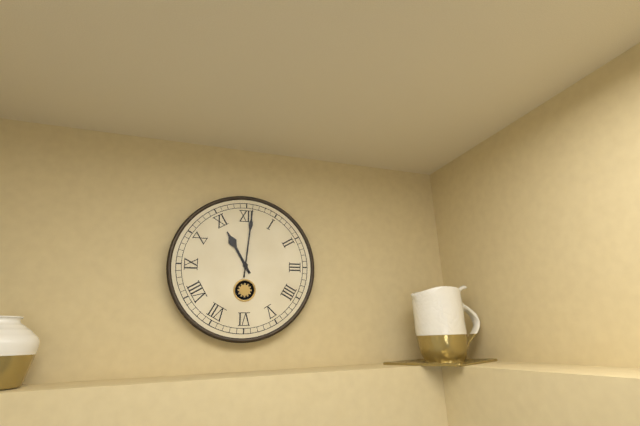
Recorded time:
{"hour": 11, "minute": 1}
